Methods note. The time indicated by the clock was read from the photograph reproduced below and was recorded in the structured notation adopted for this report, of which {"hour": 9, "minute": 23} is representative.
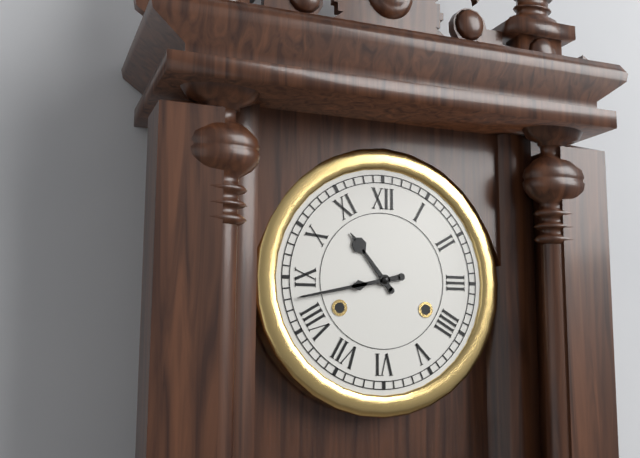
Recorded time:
{"hour": 10, "minute": 43}
